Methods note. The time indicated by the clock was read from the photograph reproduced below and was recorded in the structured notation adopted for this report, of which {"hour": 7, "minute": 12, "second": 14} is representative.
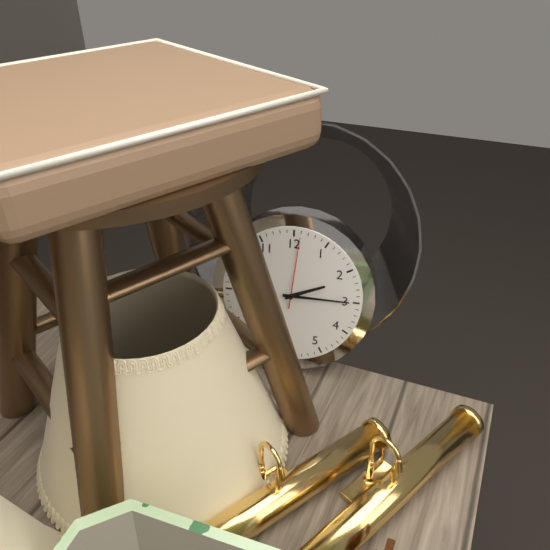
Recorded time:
{"hour": 2, "minute": 15, "second": 1}
